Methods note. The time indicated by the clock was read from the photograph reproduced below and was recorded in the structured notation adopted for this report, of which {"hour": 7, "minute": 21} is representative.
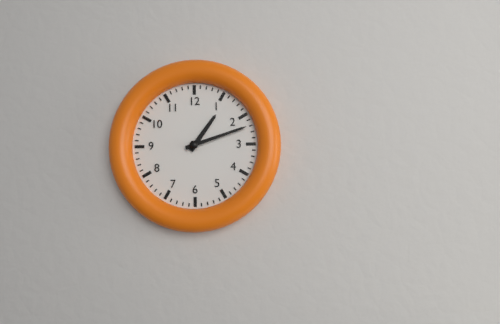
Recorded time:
{"hour": 1, "minute": 12}
